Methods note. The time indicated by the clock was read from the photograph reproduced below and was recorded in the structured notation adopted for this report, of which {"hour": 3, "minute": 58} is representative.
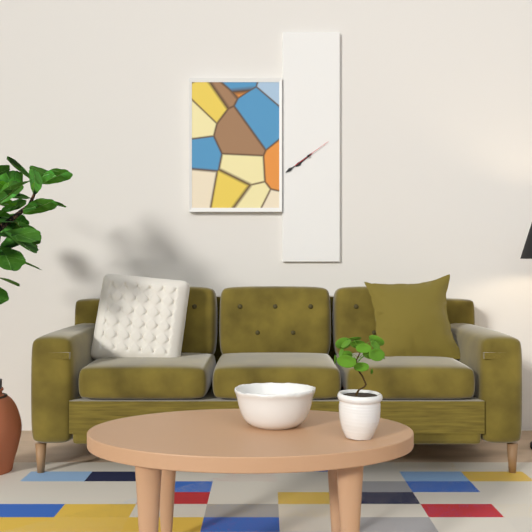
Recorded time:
{"hour": 7, "minute": 39}
